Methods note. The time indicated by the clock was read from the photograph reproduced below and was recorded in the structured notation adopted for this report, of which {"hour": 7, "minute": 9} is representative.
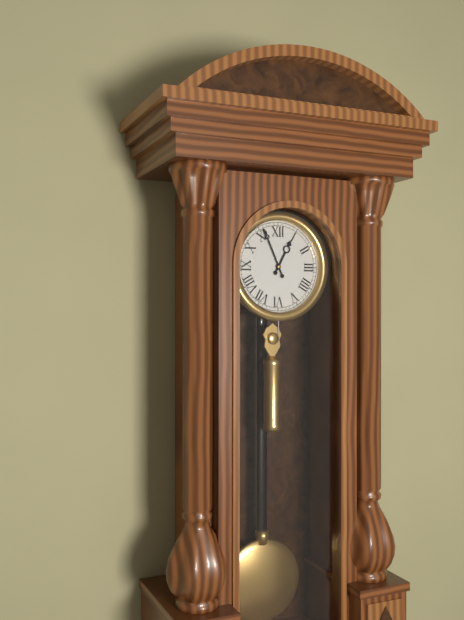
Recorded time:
{"hour": 12, "minute": 56}
